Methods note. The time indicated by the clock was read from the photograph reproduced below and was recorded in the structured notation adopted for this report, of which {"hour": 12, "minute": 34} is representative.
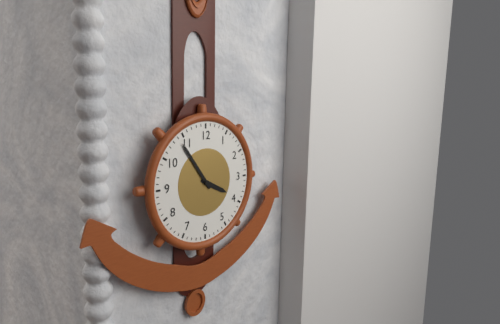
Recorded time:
{"hour": 3, "minute": 54}
